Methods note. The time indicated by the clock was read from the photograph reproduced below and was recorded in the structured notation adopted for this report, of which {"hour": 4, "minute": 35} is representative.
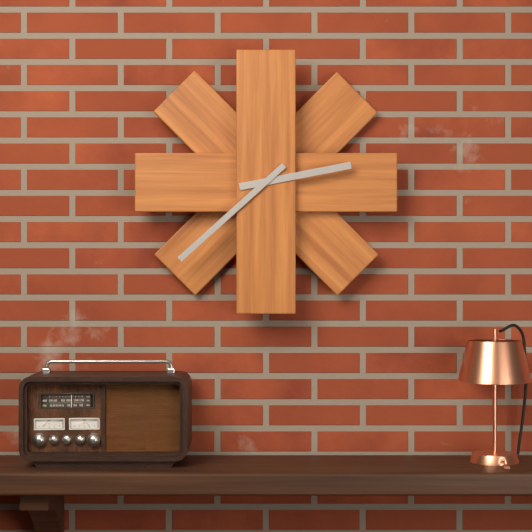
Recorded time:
{"hour": 2, "minute": 38}
